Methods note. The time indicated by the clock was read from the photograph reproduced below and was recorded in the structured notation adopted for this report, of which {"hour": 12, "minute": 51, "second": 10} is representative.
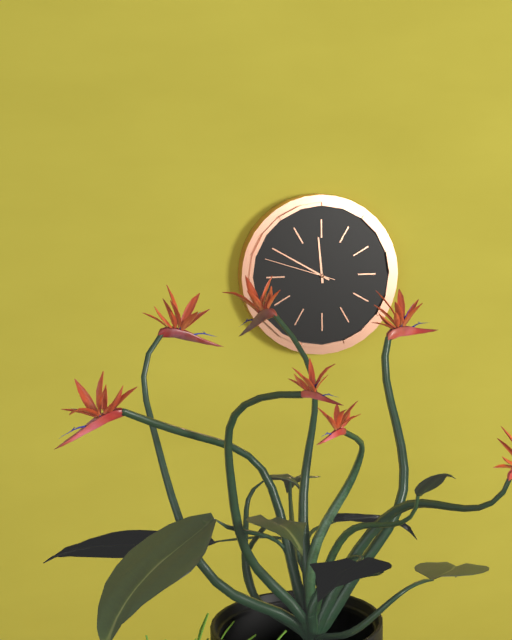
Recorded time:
{"hour": 11, "minute": 50, "second": 48}
